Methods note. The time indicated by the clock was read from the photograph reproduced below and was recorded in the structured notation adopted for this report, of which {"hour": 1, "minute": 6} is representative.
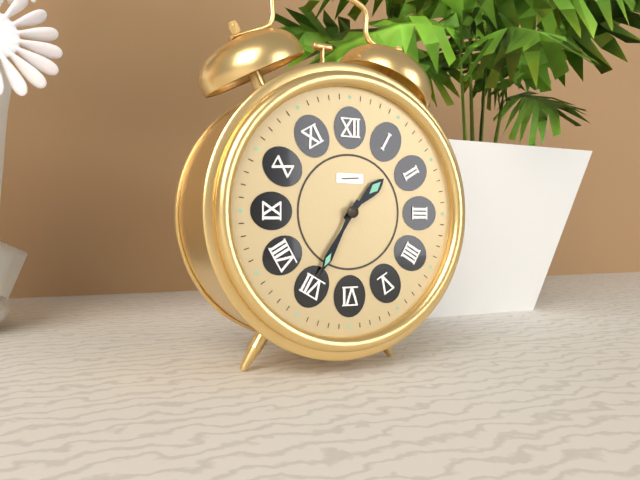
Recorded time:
{"hour": 1, "minute": 35}
